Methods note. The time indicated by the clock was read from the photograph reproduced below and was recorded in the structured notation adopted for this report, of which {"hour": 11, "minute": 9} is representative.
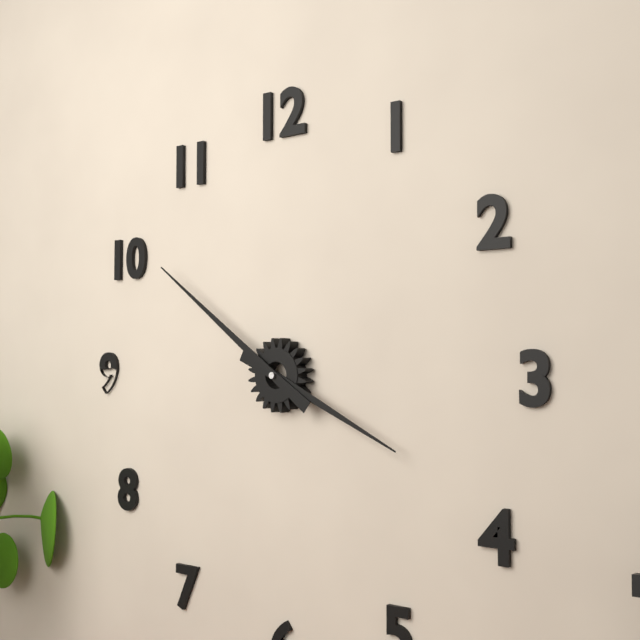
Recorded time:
{"hour": 3, "minute": 51}
